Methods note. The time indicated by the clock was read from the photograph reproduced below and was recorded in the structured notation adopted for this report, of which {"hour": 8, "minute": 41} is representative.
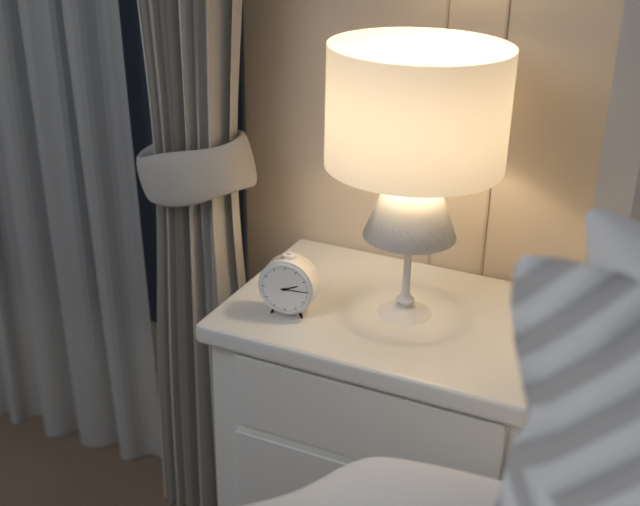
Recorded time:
{"hour": 2, "minute": 15}
